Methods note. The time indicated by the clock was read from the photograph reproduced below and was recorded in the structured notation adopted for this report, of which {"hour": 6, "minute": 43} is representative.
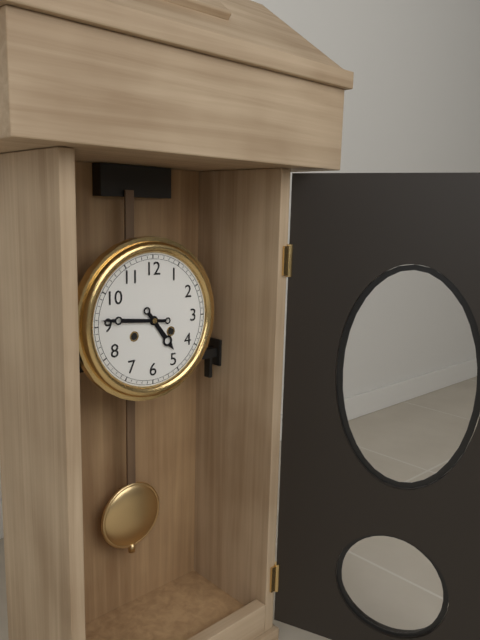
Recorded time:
{"hour": 4, "minute": 46}
